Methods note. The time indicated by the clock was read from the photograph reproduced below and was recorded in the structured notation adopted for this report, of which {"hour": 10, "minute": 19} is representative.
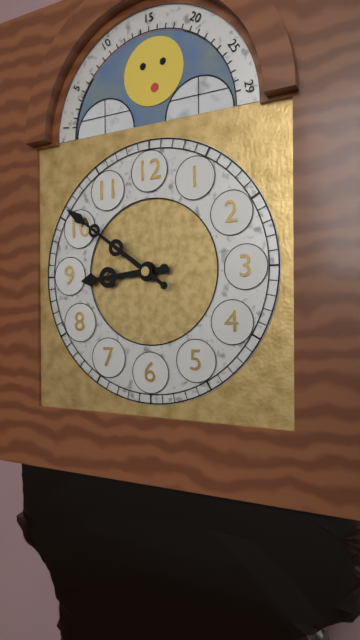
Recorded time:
{"hour": 8, "minute": 51}
